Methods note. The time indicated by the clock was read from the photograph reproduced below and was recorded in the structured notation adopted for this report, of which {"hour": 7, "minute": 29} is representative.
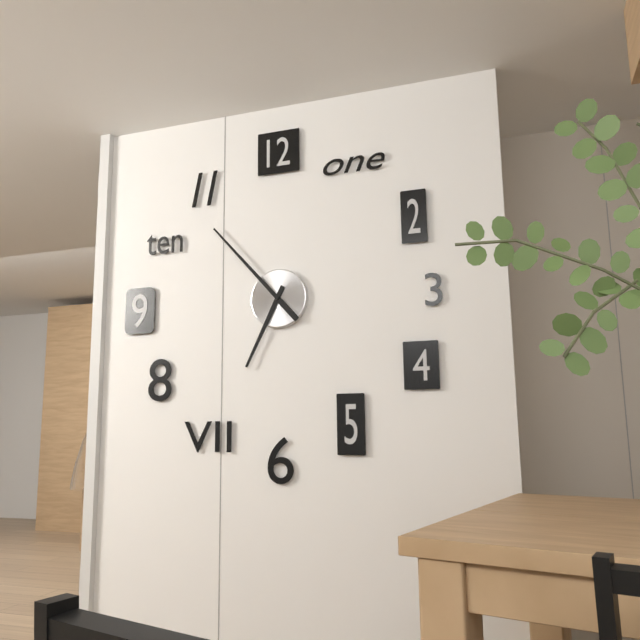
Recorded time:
{"hour": 6, "minute": 53}
